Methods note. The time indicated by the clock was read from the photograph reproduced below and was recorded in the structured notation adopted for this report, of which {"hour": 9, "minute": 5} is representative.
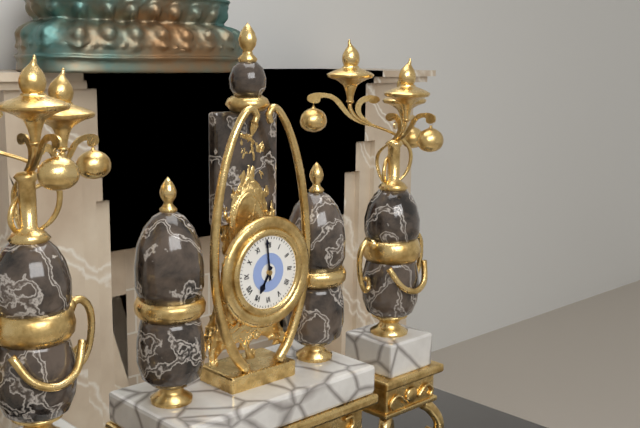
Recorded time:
{"hour": 6, "minute": 59}
